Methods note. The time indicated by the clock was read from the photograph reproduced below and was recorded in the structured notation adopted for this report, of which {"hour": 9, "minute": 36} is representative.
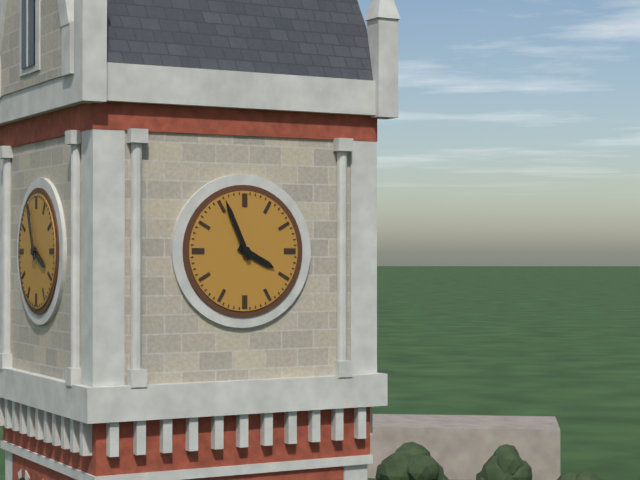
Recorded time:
{"hour": 3, "minute": 56}
